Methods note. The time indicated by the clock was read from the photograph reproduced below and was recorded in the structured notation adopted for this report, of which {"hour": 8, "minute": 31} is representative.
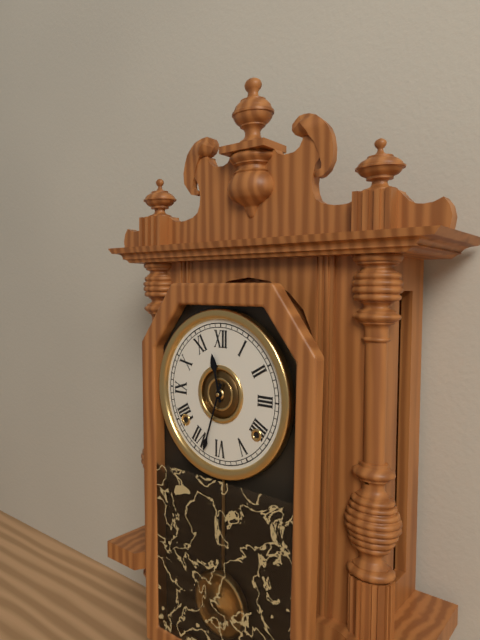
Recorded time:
{"hour": 11, "minute": 33}
